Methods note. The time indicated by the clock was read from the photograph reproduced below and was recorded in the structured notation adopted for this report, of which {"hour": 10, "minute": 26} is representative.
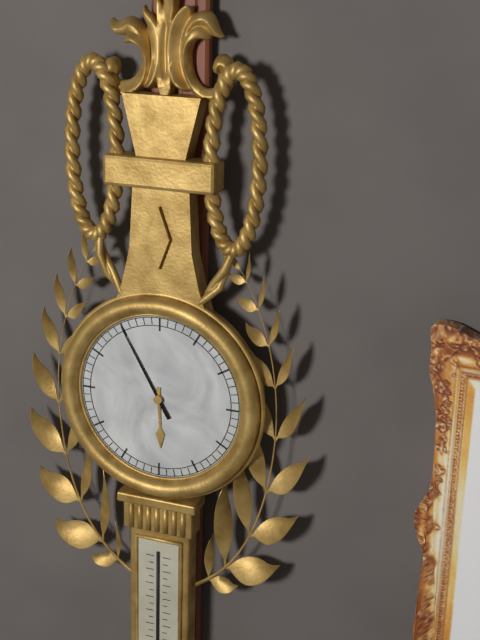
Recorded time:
{"hour": 5, "minute": 55}
